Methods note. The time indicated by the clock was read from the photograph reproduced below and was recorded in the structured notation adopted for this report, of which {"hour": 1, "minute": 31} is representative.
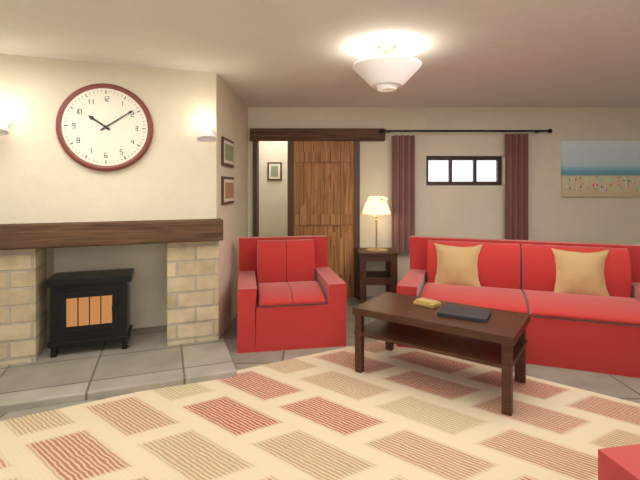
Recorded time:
{"hour": 10, "minute": 9}
